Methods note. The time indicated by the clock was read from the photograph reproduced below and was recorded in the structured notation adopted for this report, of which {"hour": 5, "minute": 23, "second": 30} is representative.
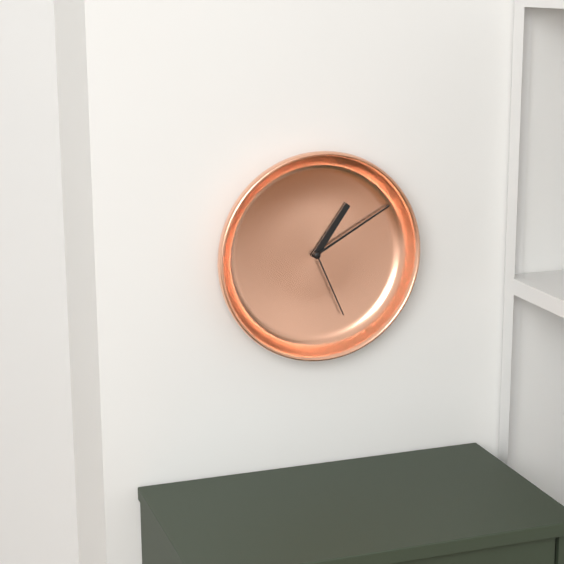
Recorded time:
{"hour": 1, "minute": 10, "second": 26}
